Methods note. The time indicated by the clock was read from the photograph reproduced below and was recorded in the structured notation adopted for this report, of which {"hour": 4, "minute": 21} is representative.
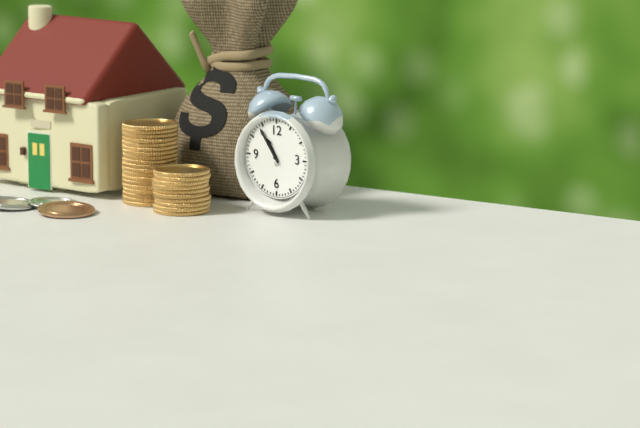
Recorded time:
{"hour": 10, "minute": 54}
